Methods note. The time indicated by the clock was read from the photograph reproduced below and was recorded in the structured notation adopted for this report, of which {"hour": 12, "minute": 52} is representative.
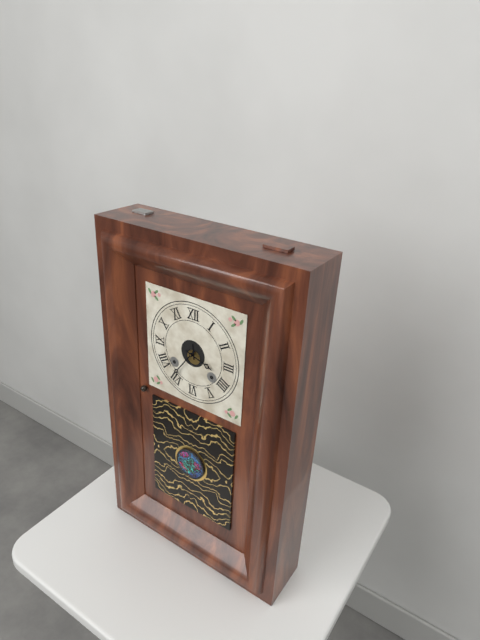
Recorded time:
{"hour": 3, "minute": 36}
